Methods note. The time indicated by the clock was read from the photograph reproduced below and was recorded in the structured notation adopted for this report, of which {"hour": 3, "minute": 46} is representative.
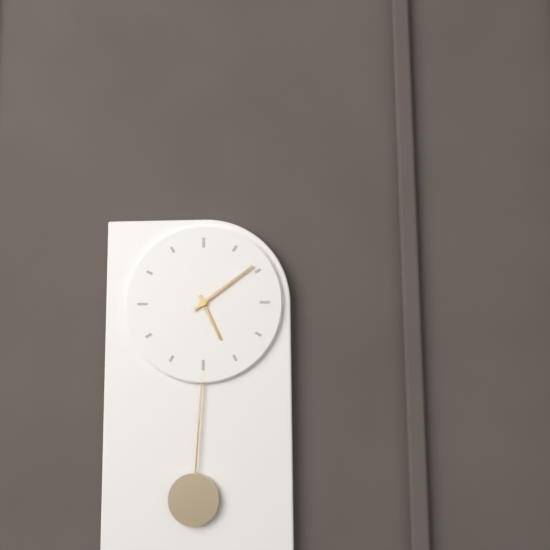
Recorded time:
{"hour": 5, "minute": 9}
